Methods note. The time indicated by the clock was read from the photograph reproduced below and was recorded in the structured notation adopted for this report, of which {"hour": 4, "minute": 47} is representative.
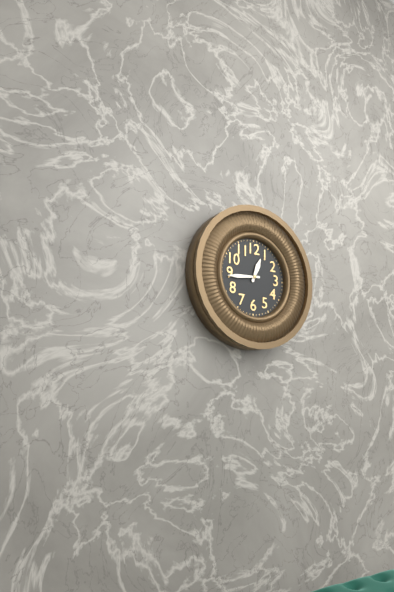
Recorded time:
{"hour": 12, "minute": 44}
